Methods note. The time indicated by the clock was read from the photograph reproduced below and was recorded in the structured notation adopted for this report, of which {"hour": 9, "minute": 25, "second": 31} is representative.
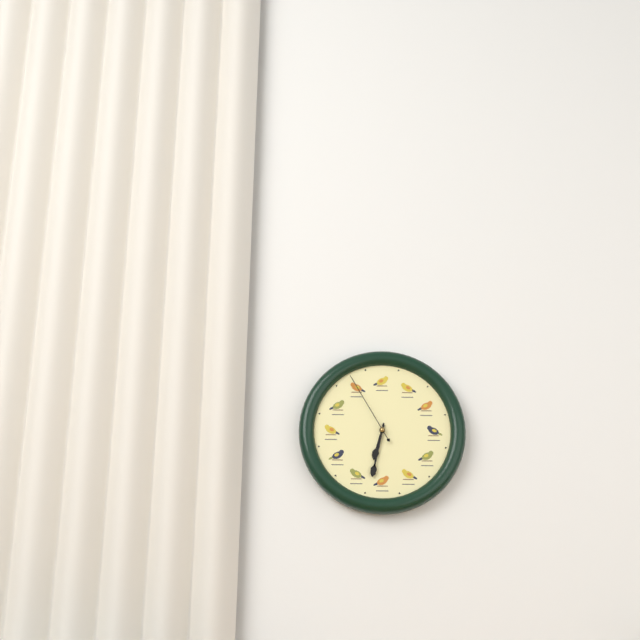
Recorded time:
{"hour": 6, "minute": 32, "second": 55}
